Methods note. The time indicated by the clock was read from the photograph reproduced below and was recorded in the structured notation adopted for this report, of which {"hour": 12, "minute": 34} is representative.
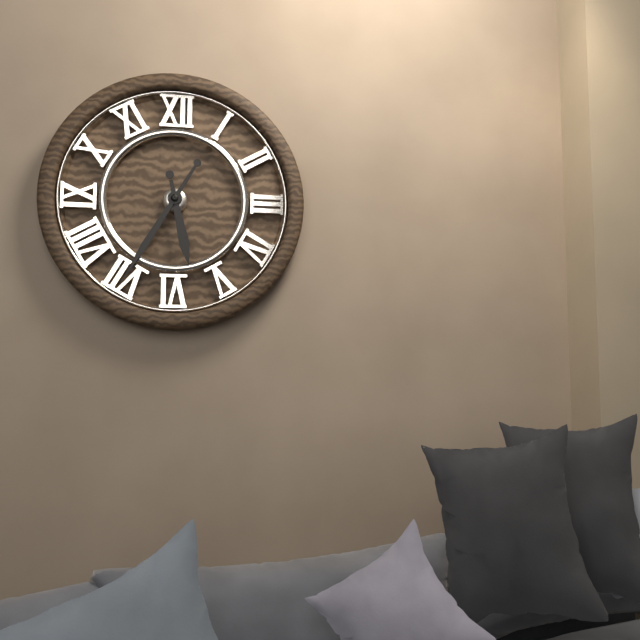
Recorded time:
{"hour": 5, "minute": 35}
